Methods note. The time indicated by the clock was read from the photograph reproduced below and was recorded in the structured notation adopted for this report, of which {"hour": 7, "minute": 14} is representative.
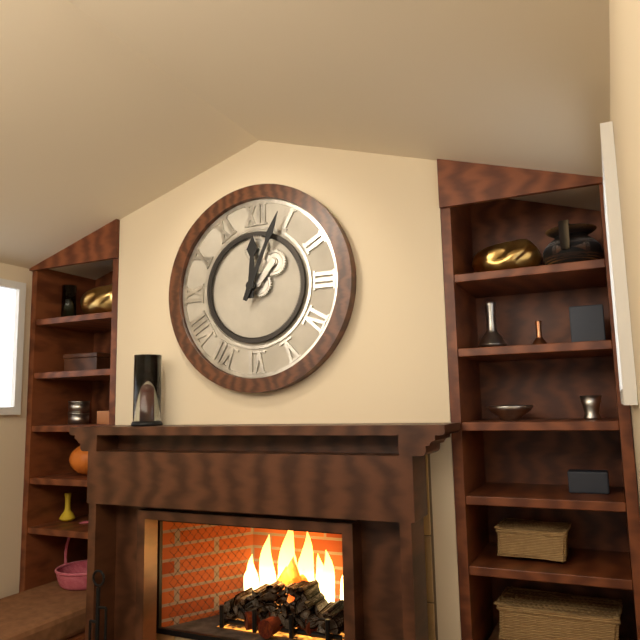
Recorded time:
{"hour": 12, "minute": 4}
